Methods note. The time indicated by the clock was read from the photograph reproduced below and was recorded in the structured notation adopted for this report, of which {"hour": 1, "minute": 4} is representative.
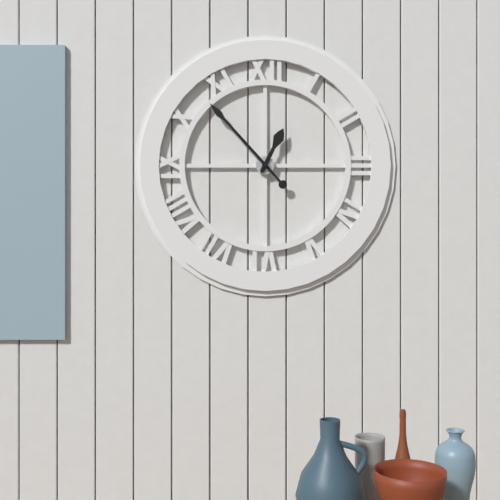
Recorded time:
{"hour": 12, "minute": 53}
